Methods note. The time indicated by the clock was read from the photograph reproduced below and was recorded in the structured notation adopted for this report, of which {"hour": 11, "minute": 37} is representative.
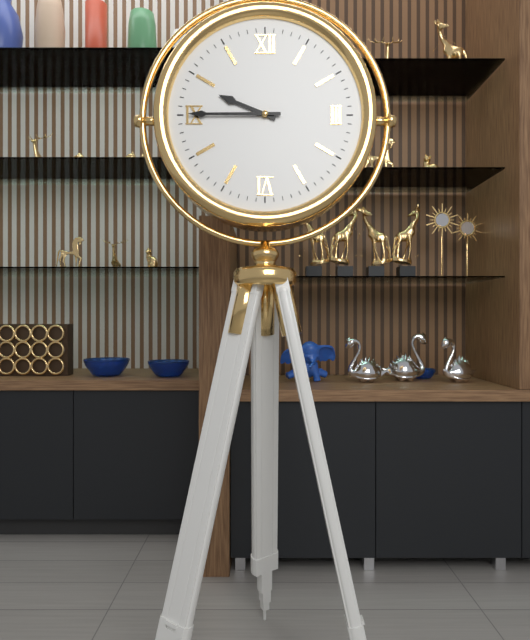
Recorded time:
{"hour": 9, "minute": 45}
